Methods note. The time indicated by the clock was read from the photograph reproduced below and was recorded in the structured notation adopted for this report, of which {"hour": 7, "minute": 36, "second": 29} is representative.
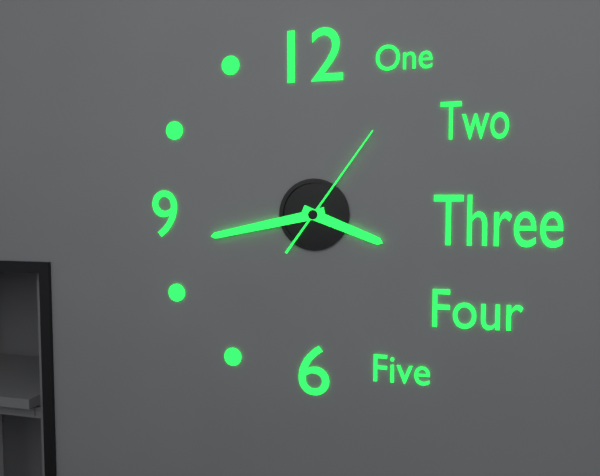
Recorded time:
{"hour": 3, "minute": 43, "second": 6}
